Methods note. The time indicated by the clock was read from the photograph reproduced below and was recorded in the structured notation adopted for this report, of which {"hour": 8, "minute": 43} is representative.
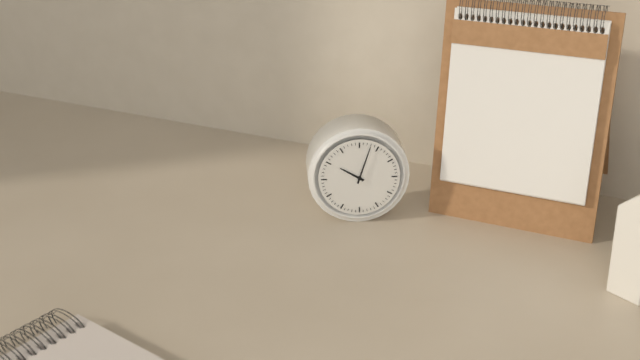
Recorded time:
{"hour": 10, "minute": 3}
